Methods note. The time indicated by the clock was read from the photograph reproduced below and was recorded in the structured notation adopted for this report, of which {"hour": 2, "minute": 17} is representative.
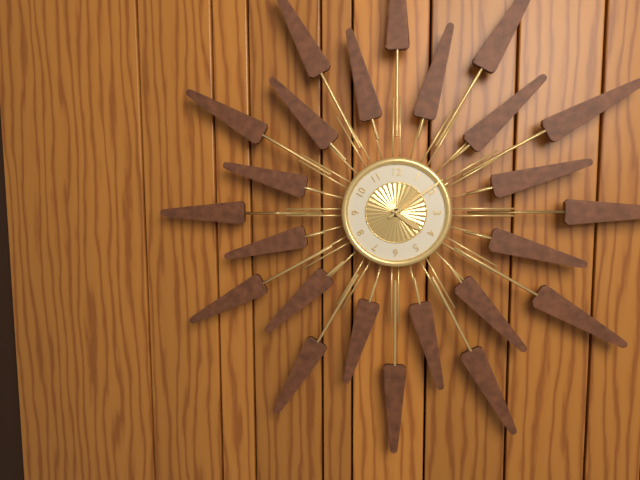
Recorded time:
{"hour": 4, "minute": 9}
